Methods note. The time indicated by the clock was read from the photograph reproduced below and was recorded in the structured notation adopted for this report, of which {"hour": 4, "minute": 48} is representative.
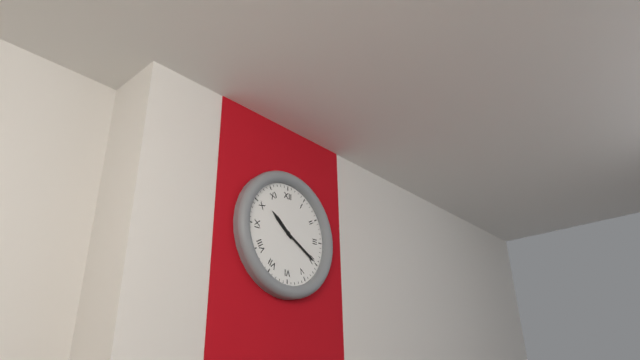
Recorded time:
{"hour": 10, "minute": 20}
